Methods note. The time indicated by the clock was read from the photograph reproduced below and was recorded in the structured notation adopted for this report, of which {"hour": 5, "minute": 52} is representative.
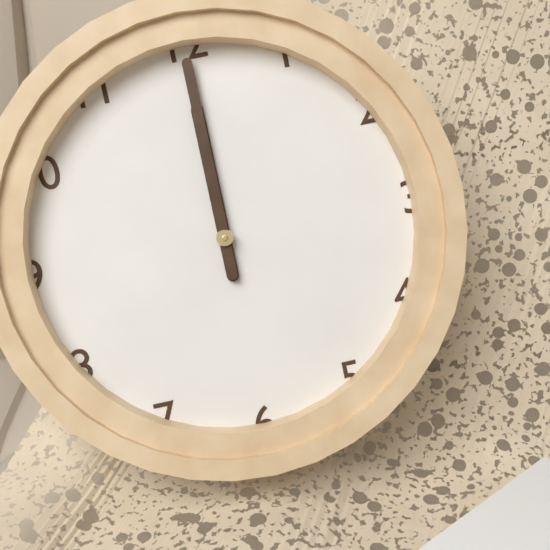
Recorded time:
{"hour": 12, "minute": 0}
